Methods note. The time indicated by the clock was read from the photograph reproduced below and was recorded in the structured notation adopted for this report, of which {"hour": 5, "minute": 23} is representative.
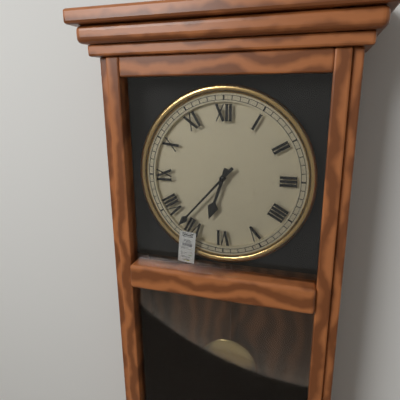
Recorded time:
{"hour": 6, "minute": 37}
